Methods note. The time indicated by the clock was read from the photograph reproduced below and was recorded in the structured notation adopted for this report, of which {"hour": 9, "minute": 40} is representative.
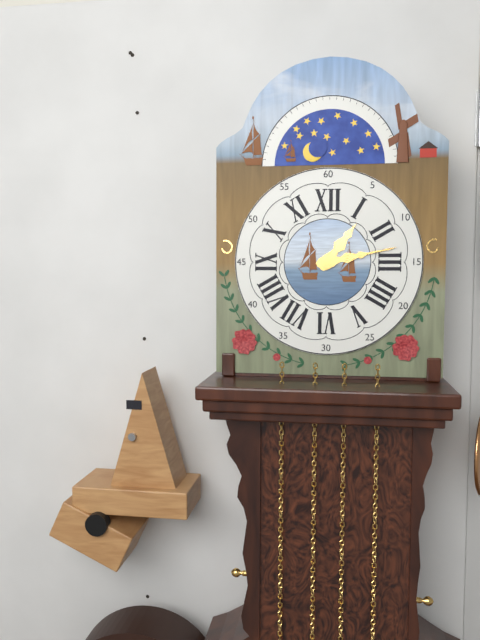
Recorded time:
{"hour": 1, "minute": 13}
